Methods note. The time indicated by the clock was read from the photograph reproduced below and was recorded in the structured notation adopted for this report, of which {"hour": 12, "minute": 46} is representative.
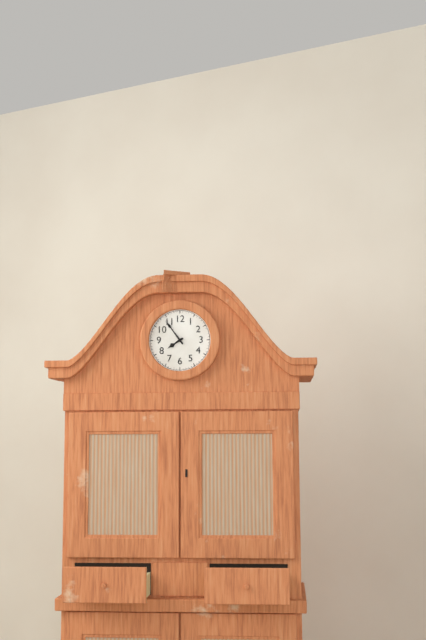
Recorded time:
{"hour": 7, "minute": 54}
